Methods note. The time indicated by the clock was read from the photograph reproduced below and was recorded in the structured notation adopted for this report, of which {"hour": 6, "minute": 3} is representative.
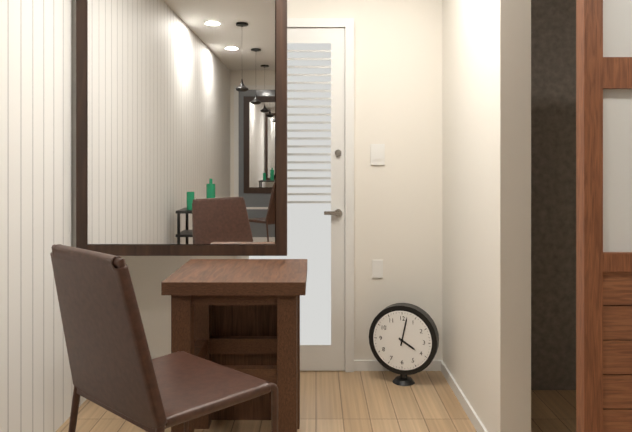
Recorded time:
{"hour": 4, "minute": 2}
